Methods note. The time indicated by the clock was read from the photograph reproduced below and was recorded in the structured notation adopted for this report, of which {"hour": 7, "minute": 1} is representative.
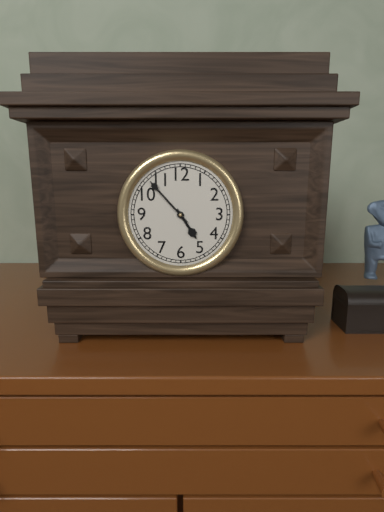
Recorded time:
{"hour": 4, "minute": 53}
